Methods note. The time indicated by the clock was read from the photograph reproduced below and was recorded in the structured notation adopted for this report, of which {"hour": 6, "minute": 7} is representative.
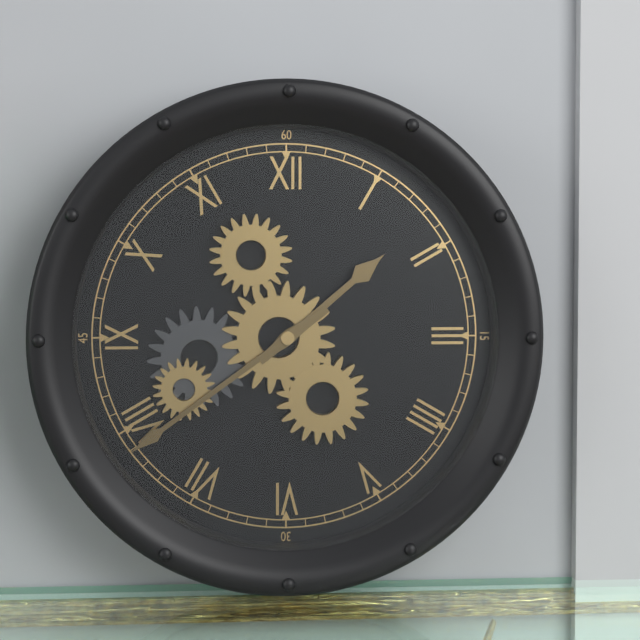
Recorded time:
{"hour": 1, "minute": 39}
